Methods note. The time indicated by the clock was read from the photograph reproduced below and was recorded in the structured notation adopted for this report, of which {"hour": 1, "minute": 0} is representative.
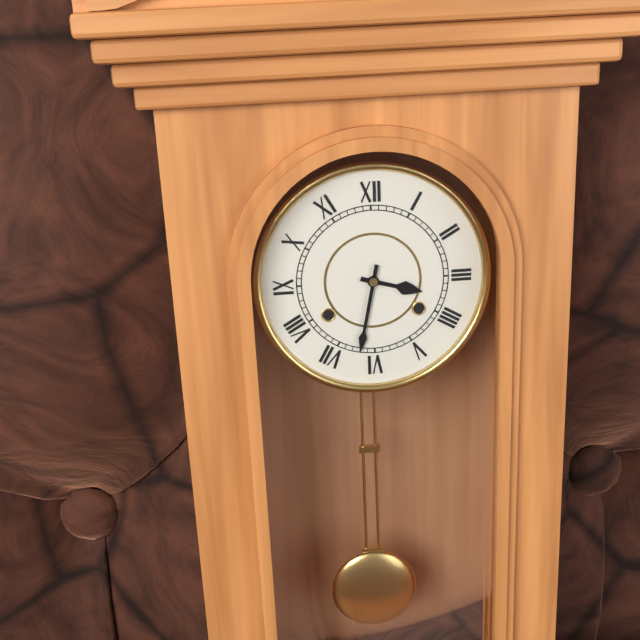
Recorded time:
{"hour": 3, "minute": 32}
